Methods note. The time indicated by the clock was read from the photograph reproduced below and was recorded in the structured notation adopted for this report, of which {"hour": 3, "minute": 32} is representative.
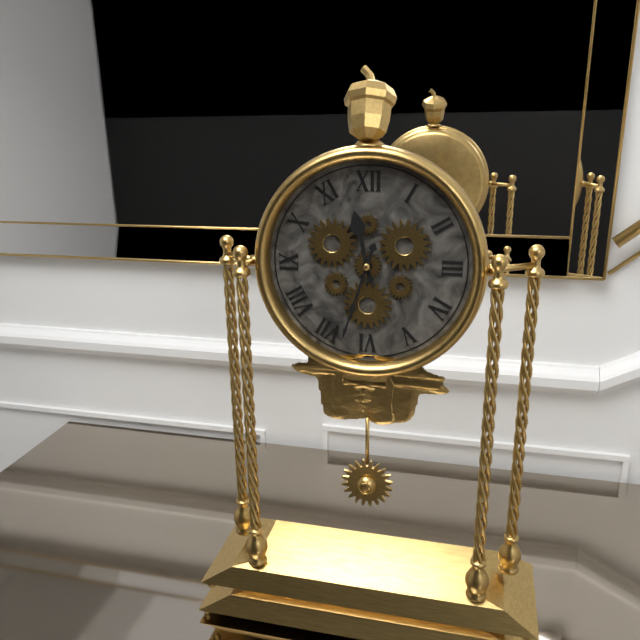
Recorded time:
{"hour": 11, "minute": 33}
